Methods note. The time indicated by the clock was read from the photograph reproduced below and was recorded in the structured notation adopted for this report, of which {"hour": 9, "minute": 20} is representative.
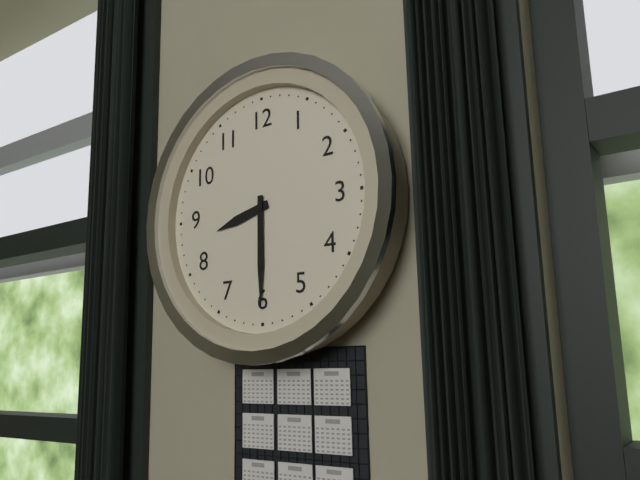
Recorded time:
{"hour": 8, "minute": 30}
